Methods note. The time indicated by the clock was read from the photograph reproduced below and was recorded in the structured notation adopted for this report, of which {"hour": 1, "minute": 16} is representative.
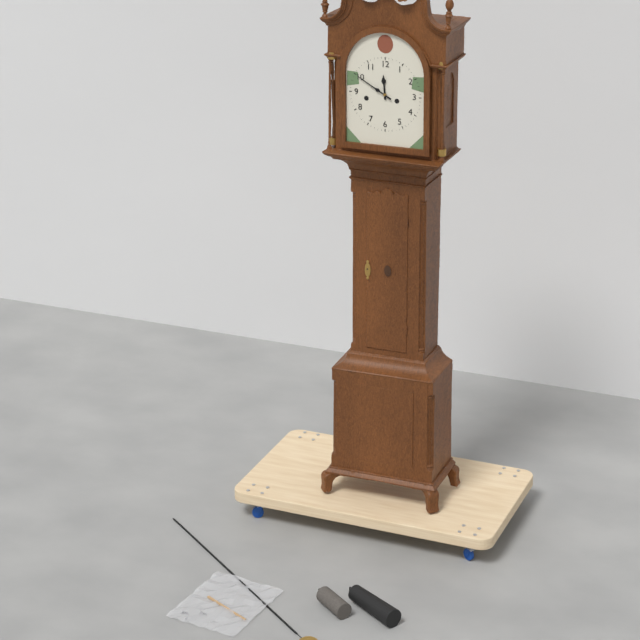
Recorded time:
{"hour": 11, "minute": 50}
